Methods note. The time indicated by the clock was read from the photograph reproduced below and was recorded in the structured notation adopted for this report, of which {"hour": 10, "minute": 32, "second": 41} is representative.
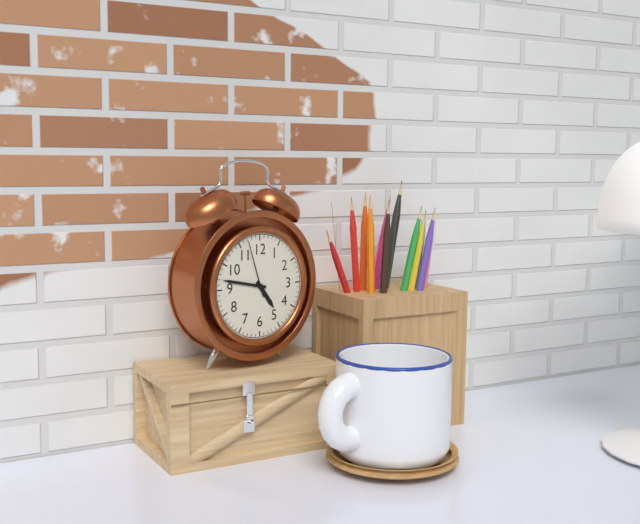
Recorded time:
{"hour": 4, "minute": 47, "second": 57}
